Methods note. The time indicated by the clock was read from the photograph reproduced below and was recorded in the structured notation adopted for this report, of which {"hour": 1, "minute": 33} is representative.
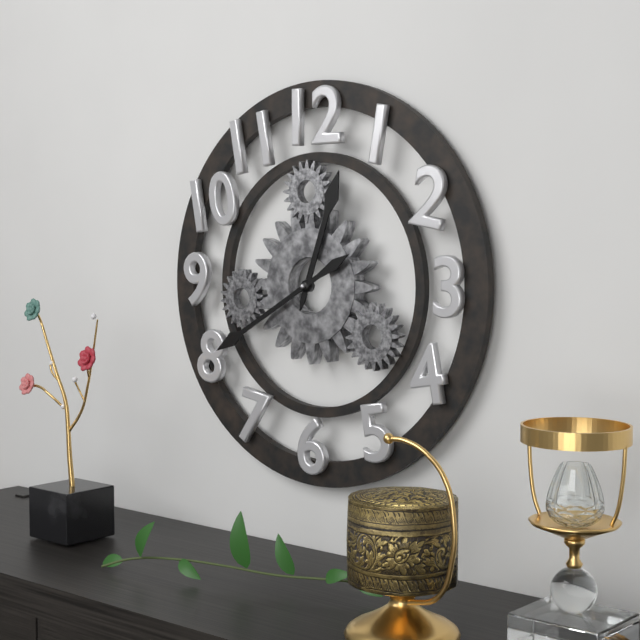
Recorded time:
{"hour": 12, "minute": 40}
